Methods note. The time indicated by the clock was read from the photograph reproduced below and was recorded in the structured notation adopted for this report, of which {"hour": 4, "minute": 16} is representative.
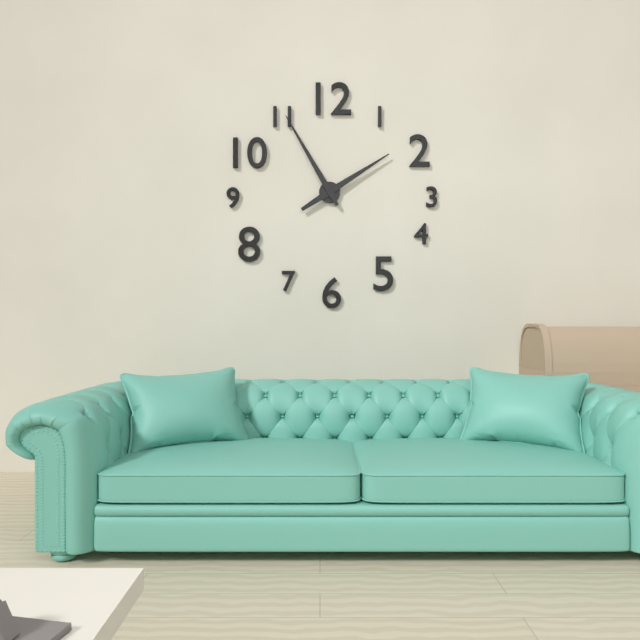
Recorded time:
{"hour": 1, "minute": 55}
